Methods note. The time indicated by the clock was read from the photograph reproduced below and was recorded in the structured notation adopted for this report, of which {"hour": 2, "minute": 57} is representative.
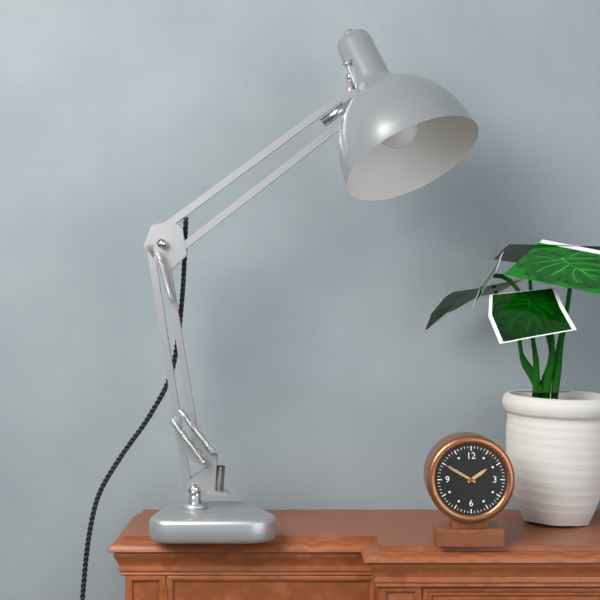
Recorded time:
{"hour": 1, "minute": 50}
